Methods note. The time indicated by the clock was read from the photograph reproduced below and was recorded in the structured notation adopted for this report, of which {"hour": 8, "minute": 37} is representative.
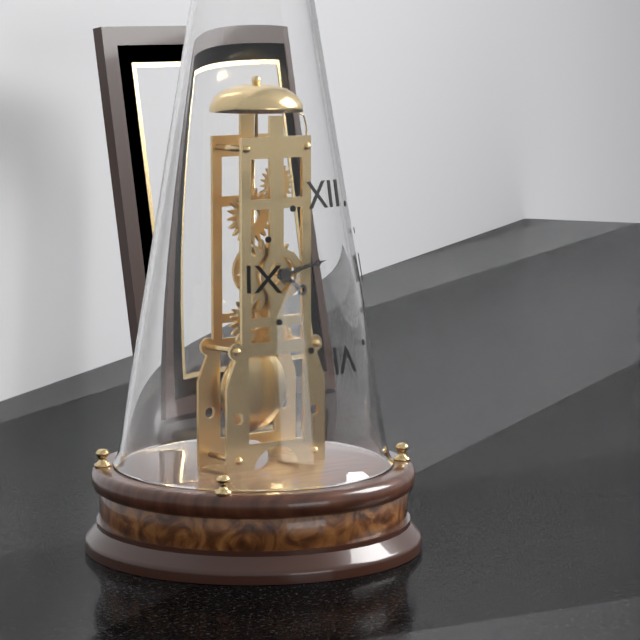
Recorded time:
{"hour": 4, "minute": 13}
